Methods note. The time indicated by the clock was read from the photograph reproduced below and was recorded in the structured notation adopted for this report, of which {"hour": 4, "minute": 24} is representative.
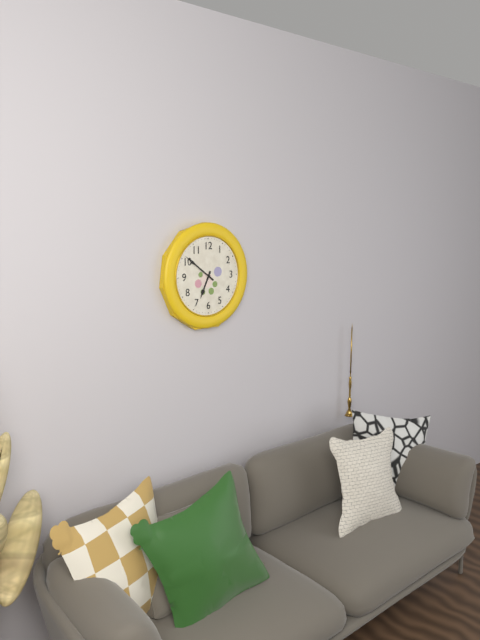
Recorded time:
{"hour": 6, "minute": 51}
